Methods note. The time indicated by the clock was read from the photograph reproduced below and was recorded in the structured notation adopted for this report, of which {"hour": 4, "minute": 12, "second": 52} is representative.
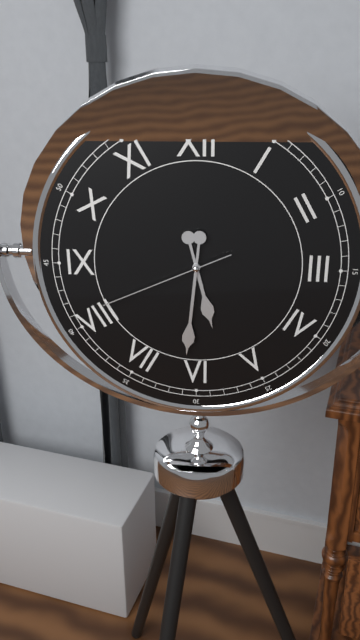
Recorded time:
{"hour": 5, "minute": 31, "second": 41}
